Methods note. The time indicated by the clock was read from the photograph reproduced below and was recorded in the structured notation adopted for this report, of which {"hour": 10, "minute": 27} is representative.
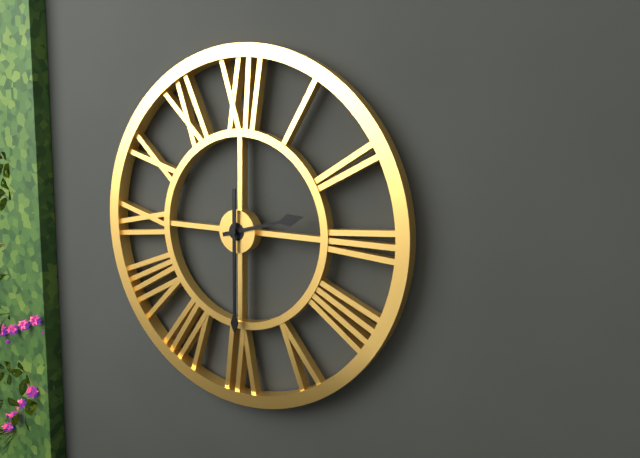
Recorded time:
{"hour": 2, "minute": 30}
